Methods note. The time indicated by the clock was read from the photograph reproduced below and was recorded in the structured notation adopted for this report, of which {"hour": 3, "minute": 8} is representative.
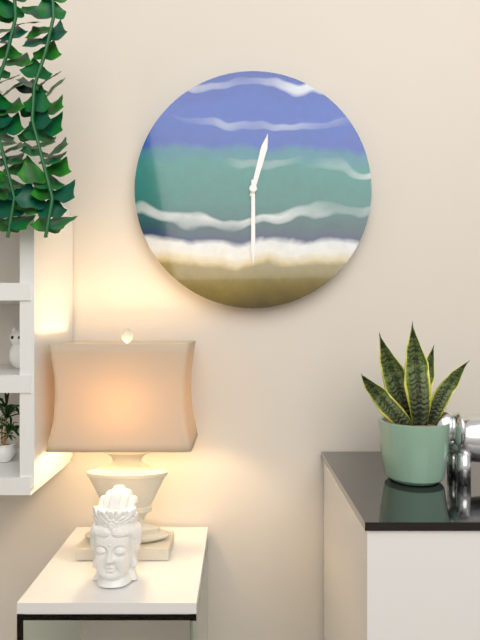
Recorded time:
{"hour": 12, "minute": 30}
